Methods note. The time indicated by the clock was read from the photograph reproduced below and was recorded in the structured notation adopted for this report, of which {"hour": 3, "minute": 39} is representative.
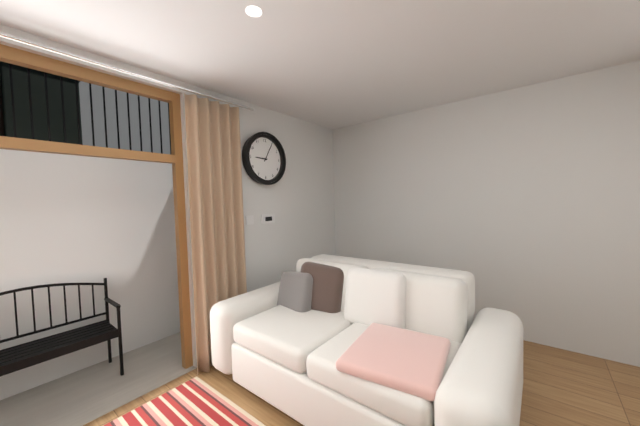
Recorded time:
{"hour": 9, "minute": 5}
